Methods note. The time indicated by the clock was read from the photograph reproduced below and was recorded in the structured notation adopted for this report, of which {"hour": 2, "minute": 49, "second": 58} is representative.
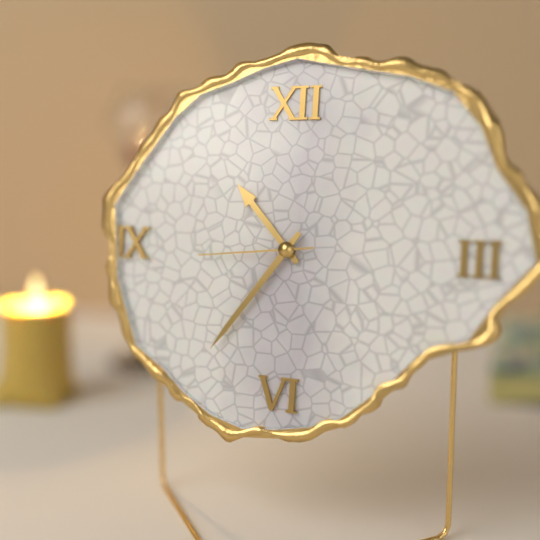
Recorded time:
{"hour": 10, "minute": 36, "second": 44}
